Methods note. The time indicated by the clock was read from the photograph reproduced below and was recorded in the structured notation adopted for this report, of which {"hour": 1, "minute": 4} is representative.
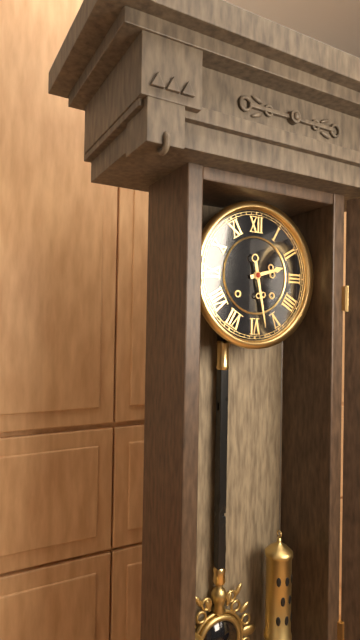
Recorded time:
{"hour": 2, "minute": 28}
